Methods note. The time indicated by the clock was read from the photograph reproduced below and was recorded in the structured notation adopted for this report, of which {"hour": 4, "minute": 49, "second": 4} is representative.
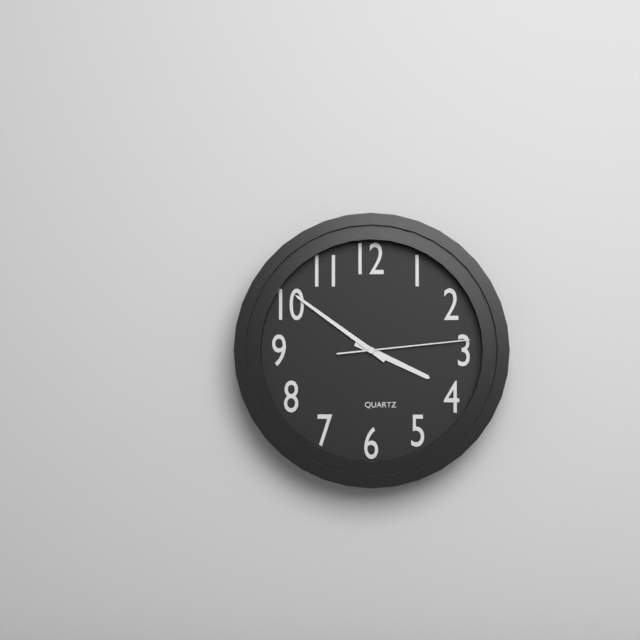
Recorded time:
{"hour": 3, "minute": 51, "second": 14}
